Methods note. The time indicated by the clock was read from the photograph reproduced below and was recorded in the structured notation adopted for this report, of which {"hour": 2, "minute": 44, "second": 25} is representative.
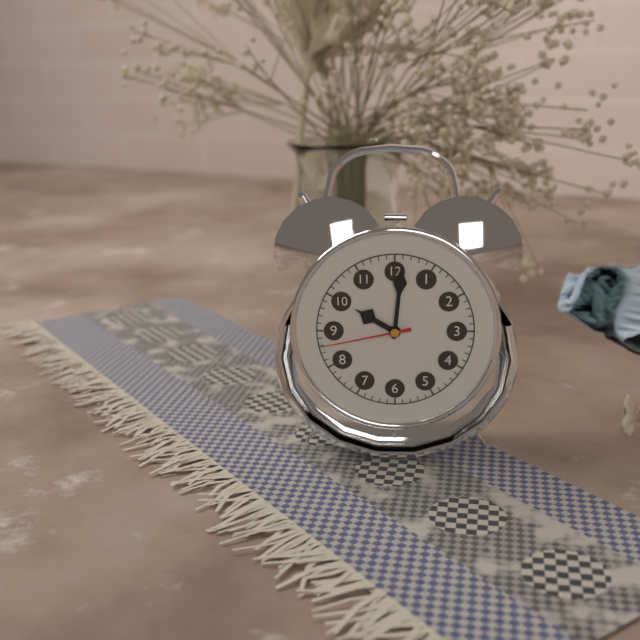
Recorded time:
{"hour": 10, "minute": 1, "second": 43}
